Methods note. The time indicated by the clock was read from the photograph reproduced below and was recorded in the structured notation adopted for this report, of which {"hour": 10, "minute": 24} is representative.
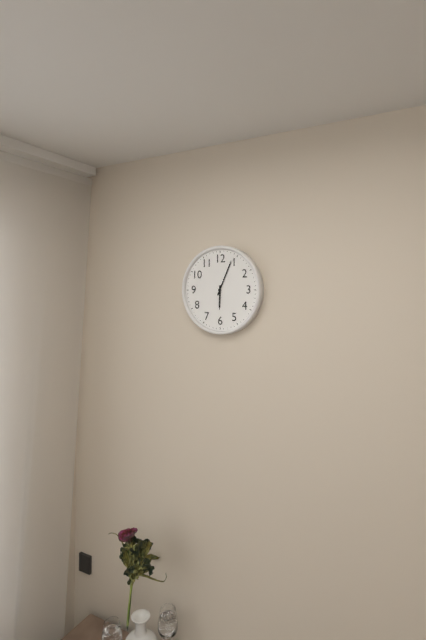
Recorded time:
{"hour": 6, "minute": 4}
